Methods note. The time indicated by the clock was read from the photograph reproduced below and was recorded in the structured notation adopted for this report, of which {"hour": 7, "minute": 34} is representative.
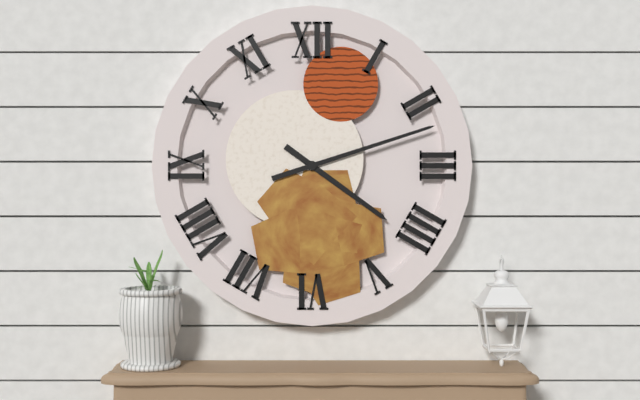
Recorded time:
{"hour": 4, "minute": 12}
